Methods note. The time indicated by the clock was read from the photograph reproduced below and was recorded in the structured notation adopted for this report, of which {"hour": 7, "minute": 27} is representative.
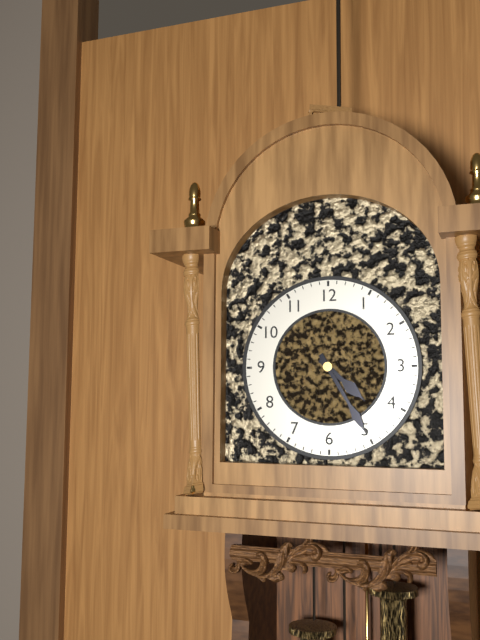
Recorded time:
{"hour": 4, "minute": 25}
